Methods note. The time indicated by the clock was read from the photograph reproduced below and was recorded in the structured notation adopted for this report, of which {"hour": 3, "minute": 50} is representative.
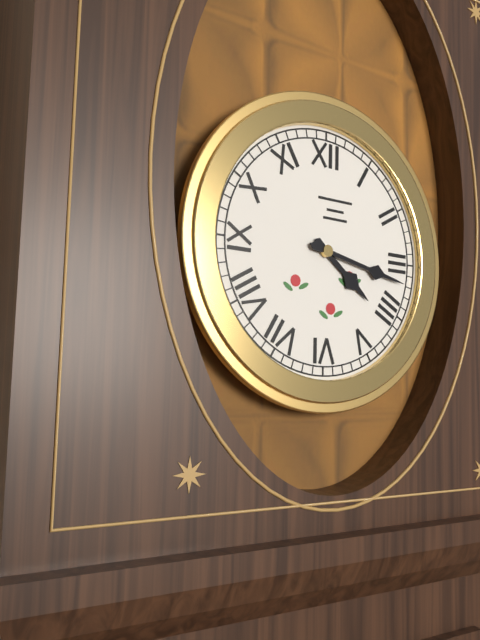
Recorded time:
{"hour": 4, "minute": 17}
